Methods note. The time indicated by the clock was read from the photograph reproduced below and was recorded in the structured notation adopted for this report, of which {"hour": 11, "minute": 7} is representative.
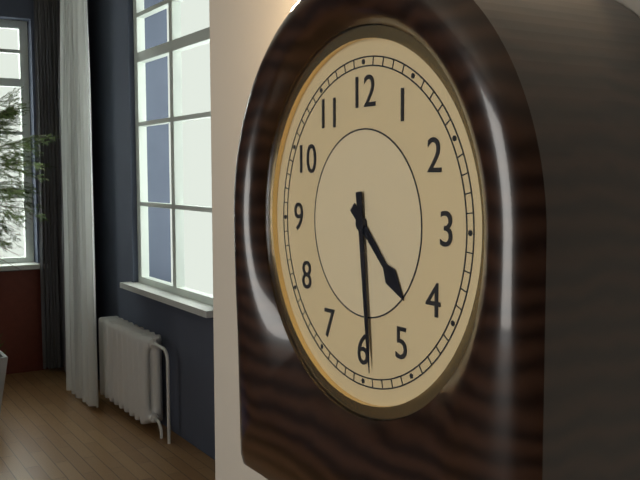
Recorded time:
{"hour": 4, "minute": 29}
